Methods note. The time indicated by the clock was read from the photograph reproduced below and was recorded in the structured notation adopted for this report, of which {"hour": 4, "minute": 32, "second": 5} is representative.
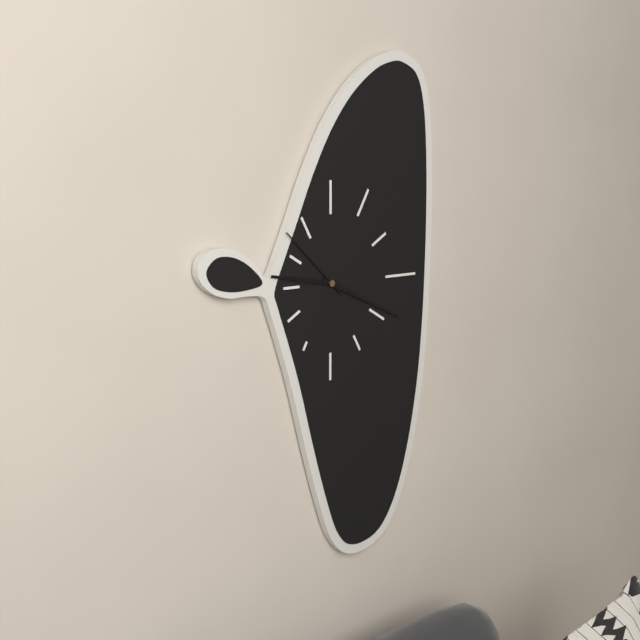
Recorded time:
{"hour": 9, "minute": 19, "second": 52}
